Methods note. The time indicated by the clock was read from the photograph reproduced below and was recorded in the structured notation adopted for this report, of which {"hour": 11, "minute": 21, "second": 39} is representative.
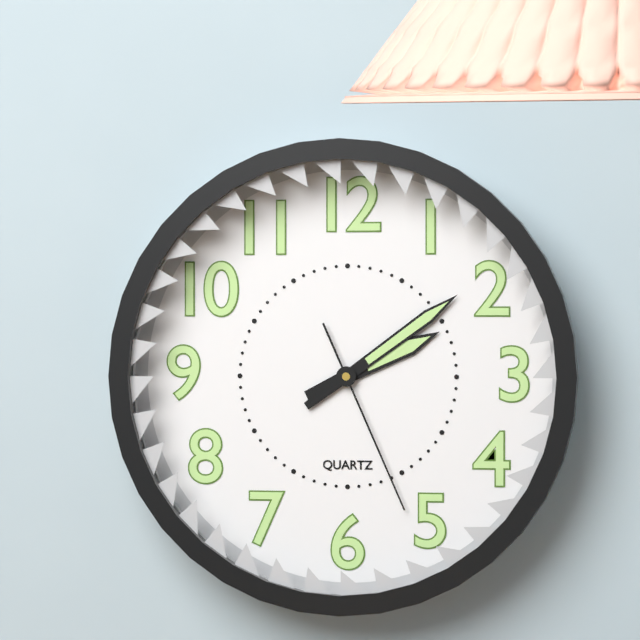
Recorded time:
{"hour": 2, "minute": 9, "second": 26}
